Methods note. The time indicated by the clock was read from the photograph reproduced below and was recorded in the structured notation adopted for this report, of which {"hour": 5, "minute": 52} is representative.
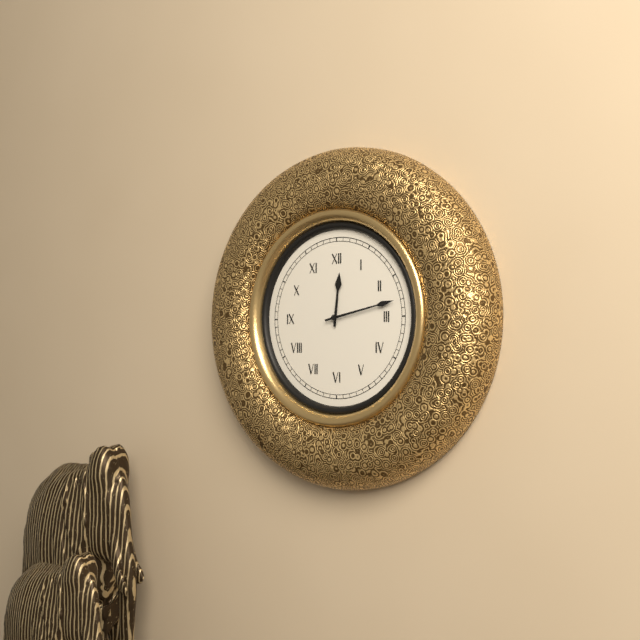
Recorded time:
{"hour": 12, "minute": 13}
